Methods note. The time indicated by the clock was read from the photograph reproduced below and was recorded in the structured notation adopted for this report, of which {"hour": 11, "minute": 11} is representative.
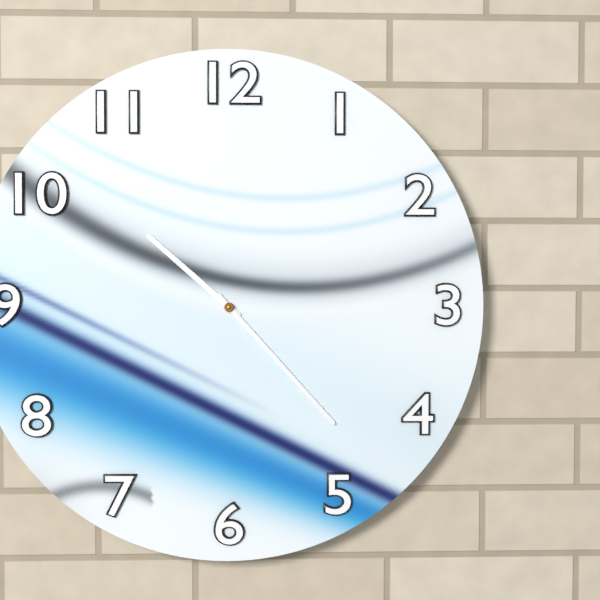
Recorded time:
{"hour": 10, "minute": 23}
